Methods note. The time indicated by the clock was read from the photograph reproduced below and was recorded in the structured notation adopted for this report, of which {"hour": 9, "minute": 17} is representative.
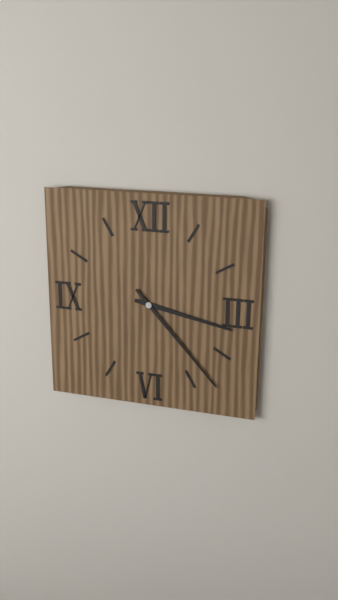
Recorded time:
{"hour": 3, "minute": 23}
